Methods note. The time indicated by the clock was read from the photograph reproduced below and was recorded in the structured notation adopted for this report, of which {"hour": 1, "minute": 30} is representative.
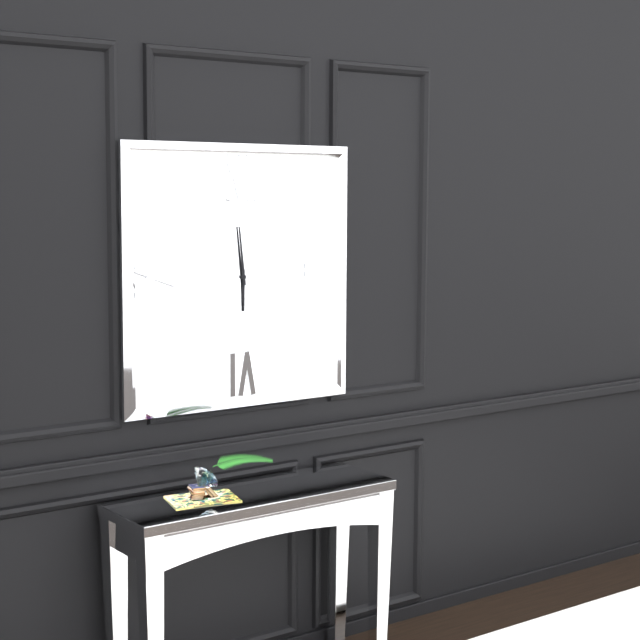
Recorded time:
{"hour": 5, "minute": 59}
